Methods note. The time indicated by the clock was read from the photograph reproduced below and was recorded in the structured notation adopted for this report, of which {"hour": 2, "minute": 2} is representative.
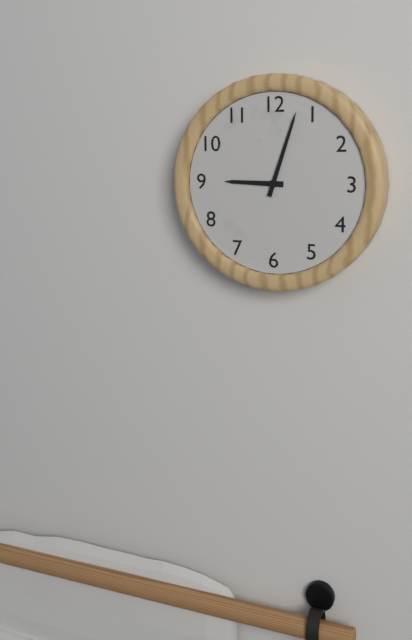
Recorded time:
{"hour": 9, "minute": 3}
